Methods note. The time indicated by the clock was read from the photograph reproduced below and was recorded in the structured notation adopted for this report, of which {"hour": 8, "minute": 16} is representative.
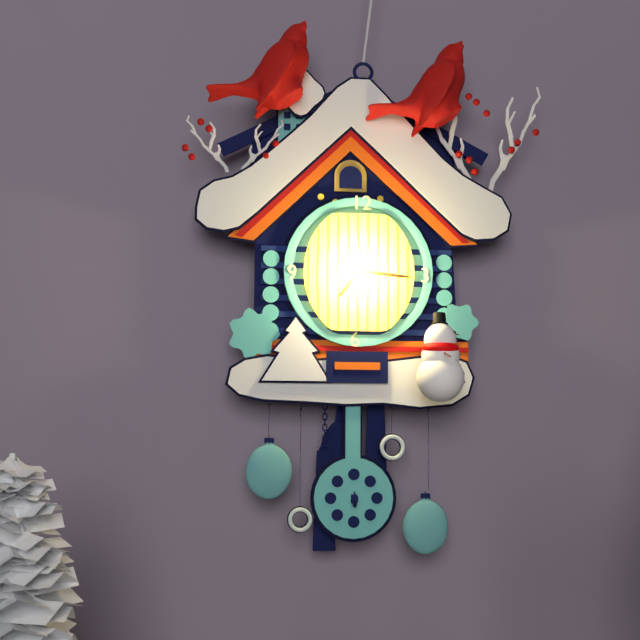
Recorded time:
{"hour": 7, "minute": 16}
